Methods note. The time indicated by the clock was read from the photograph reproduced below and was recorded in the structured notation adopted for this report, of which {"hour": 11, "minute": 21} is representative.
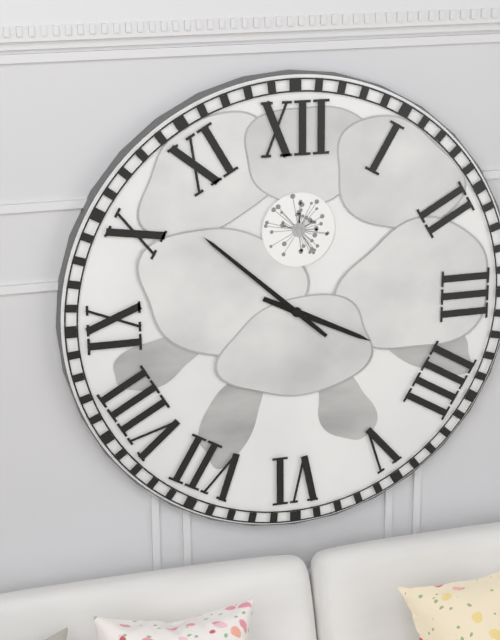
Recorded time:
{"hour": 3, "minute": 52}
